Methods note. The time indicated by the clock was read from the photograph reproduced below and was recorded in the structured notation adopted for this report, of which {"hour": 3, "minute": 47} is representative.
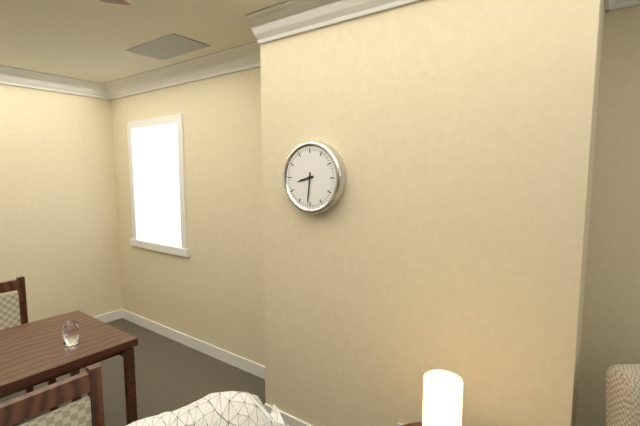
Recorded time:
{"hour": 8, "minute": 31}
